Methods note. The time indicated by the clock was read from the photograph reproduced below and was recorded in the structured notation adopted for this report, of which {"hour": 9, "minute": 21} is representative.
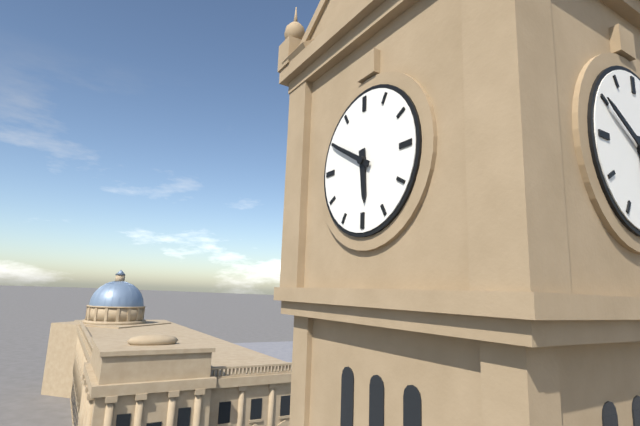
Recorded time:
{"hour": 5, "minute": 50}
